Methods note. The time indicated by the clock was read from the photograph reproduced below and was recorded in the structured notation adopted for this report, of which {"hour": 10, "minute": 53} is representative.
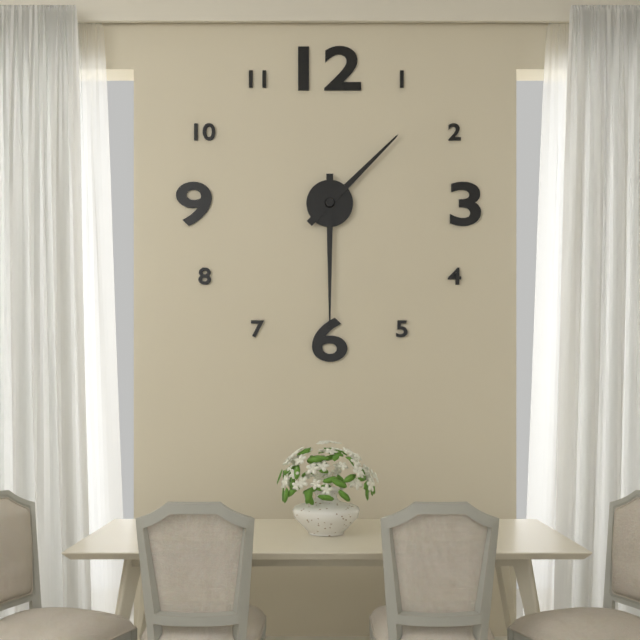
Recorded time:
{"hour": 1, "minute": 30}
